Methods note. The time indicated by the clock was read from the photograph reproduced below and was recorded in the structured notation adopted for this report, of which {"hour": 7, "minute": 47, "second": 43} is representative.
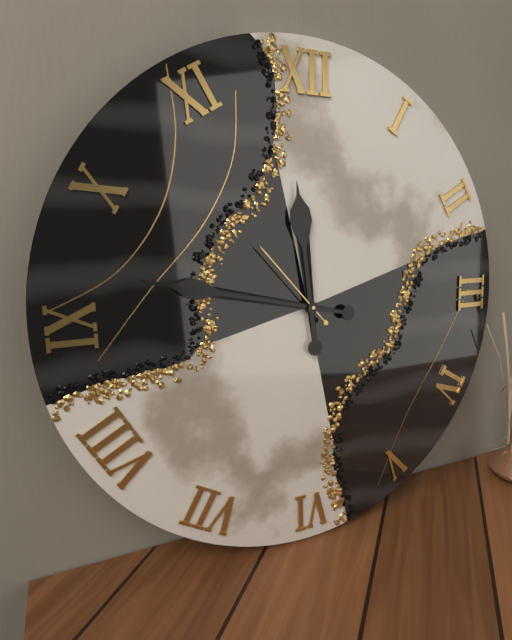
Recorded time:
{"hour": 11, "minute": 47, "second": 53}
